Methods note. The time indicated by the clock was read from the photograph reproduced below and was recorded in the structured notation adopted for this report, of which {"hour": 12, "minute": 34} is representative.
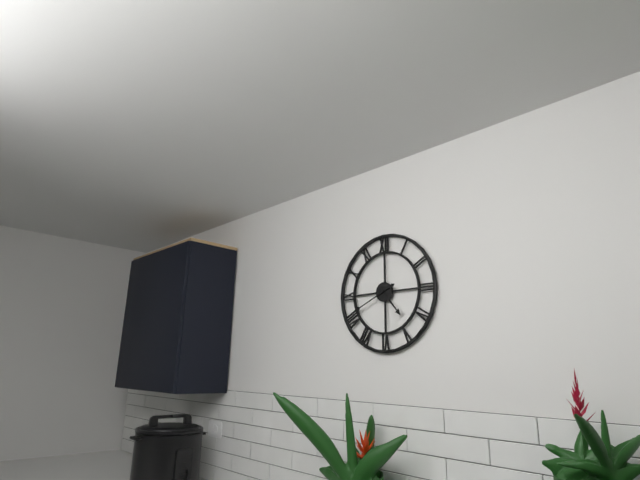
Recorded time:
{"hour": 4, "minute": 41}
